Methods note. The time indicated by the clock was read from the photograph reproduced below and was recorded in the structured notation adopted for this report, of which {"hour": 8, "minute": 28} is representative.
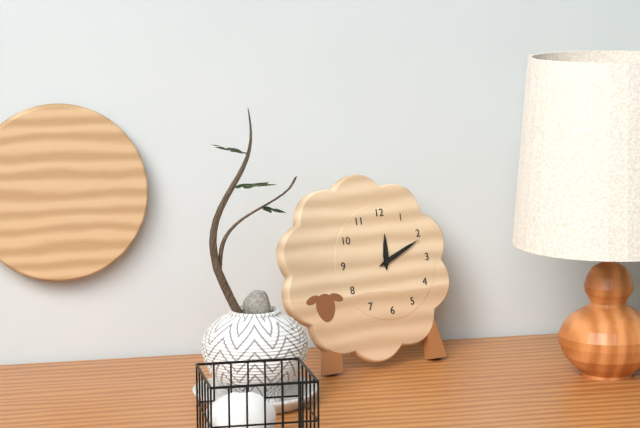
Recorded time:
{"hour": 12, "minute": 11}
